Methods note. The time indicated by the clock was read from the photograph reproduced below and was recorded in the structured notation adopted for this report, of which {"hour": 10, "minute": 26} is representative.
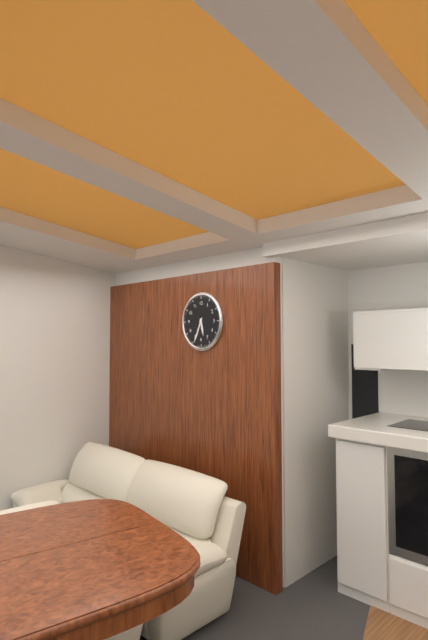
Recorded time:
{"hour": 5, "minute": 34}
